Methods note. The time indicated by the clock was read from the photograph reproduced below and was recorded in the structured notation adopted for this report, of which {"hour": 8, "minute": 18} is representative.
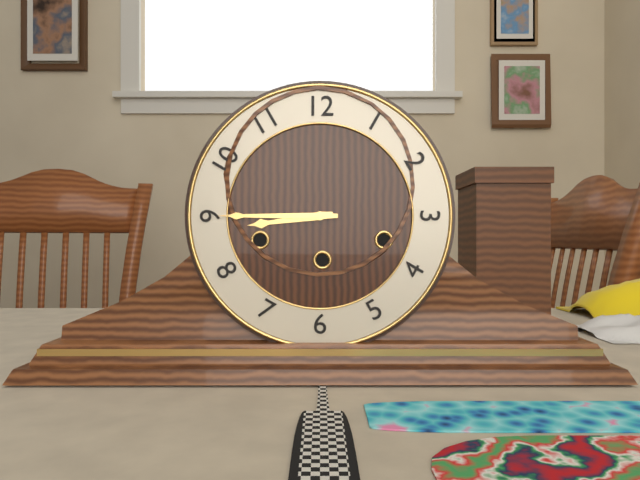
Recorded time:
{"hour": 8, "minute": 45}
